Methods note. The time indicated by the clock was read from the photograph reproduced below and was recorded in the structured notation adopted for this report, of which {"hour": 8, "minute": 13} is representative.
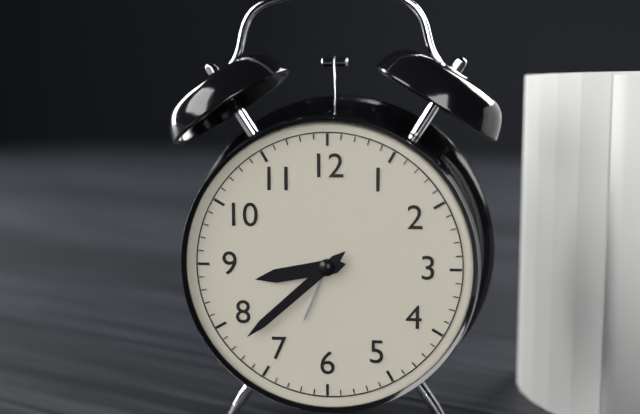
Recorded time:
{"hour": 8, "minute": 38}
